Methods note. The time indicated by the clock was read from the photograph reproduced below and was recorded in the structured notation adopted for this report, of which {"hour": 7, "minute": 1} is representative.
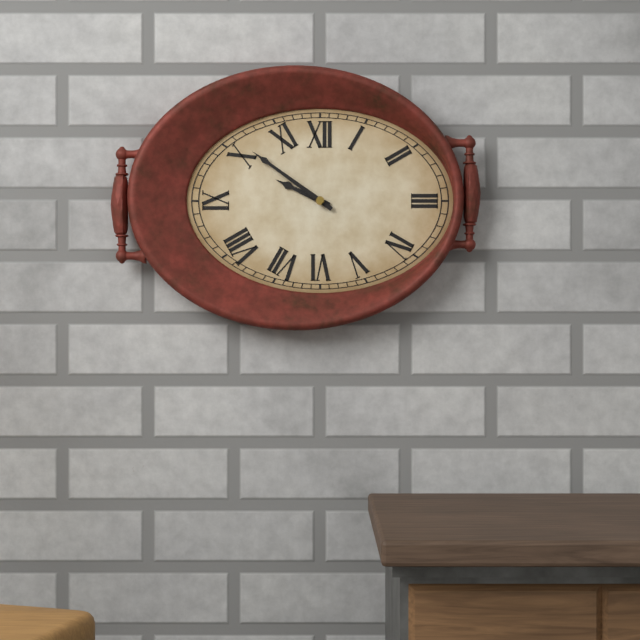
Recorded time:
{"hour": 9, "minute": 51}
